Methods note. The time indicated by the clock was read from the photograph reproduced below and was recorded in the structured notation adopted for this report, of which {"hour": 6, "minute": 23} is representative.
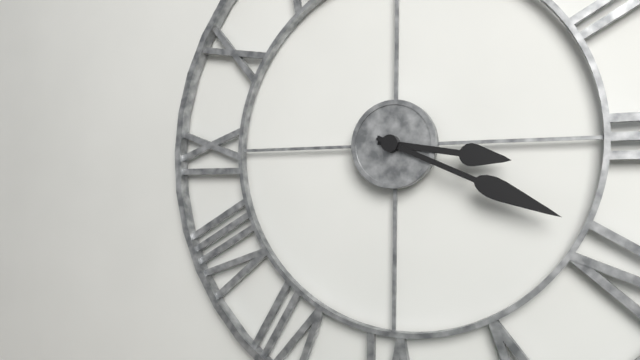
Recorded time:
{"hour": 3, "minute": 19}
